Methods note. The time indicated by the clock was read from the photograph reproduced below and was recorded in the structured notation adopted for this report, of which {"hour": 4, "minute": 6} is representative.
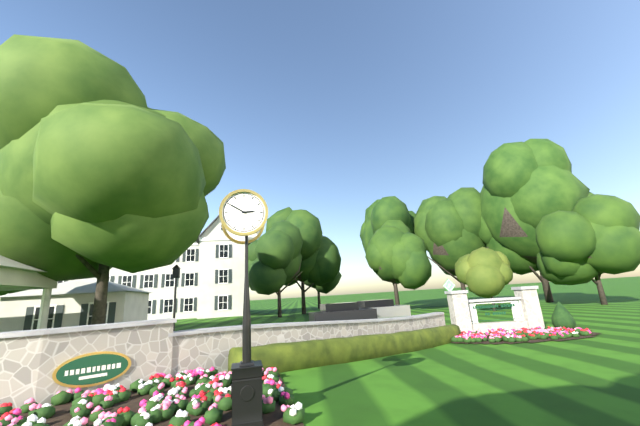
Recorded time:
{"hour": 2, "minute": 50}
